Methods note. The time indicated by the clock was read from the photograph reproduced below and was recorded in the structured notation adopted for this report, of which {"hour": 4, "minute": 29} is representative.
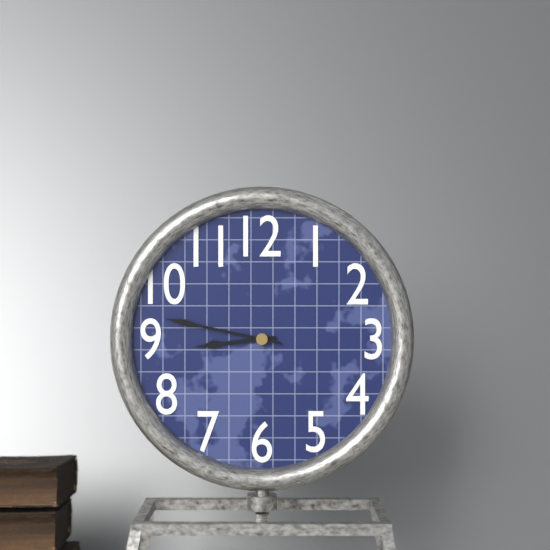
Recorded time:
{"hour": 8, "minute": 47}
